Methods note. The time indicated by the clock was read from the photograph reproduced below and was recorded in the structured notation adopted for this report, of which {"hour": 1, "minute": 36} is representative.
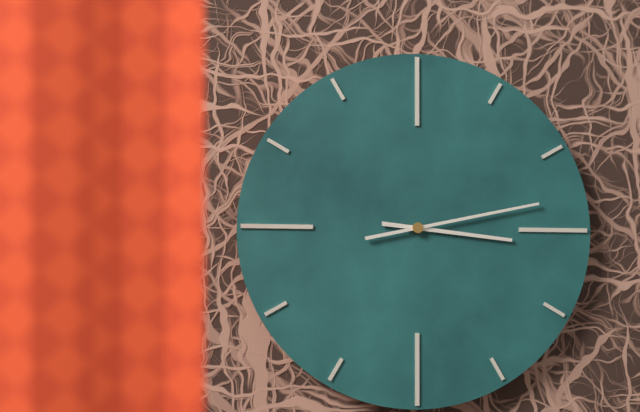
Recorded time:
{"hour": 3, "minute": 13}
